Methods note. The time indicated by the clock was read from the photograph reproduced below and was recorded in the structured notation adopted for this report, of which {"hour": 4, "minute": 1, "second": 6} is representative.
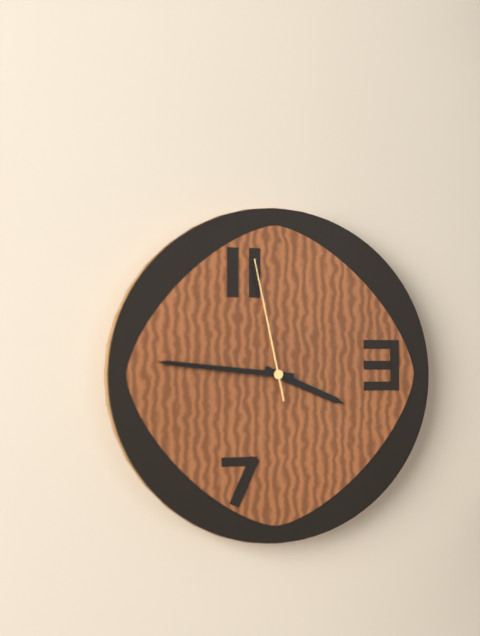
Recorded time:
{"hour": 3, "minute": 46, "second": 58}
